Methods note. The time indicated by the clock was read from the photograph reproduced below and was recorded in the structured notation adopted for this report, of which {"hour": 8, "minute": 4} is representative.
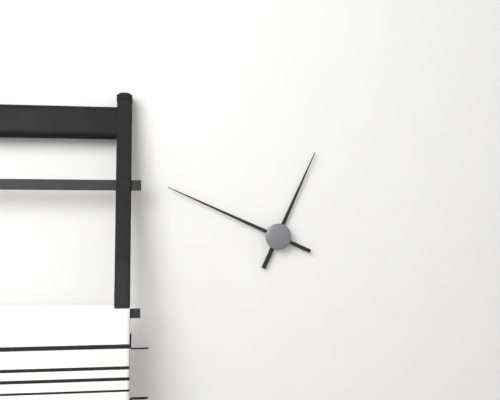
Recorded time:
{"hour": 12, "minute": 49}
